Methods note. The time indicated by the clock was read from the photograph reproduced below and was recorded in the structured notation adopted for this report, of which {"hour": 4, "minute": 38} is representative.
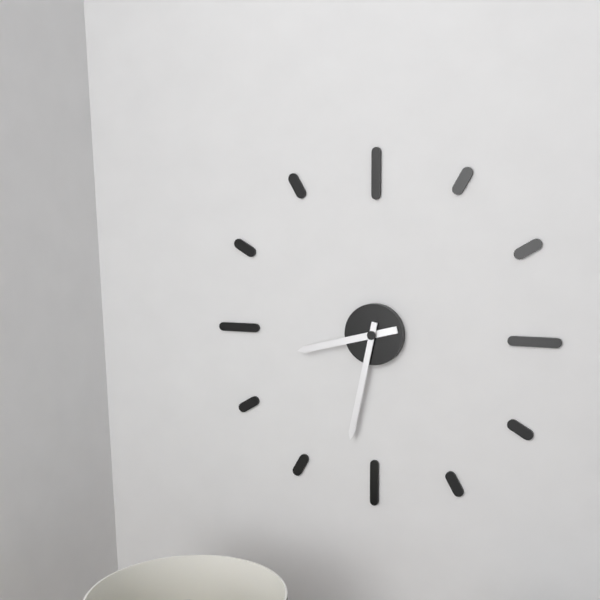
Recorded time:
{"hour": 8, "minute": 32}
